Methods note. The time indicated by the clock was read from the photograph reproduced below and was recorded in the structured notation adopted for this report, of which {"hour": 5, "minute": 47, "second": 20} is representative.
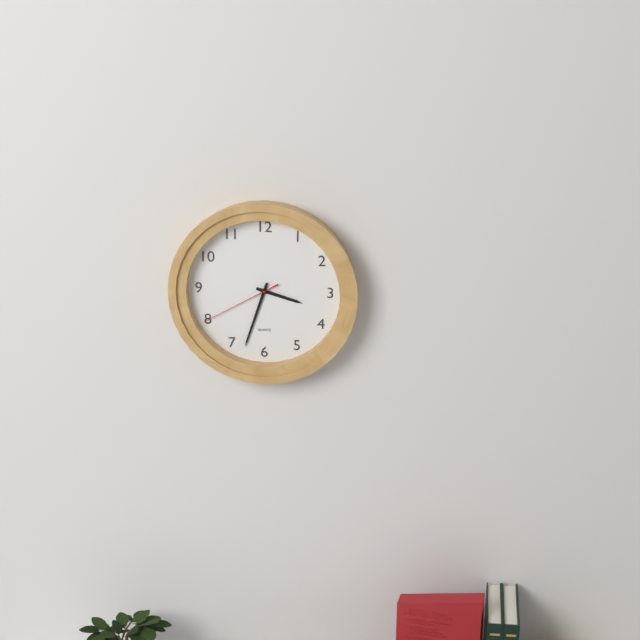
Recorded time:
{"hour": 3, "minute": 33, "second": 40}
